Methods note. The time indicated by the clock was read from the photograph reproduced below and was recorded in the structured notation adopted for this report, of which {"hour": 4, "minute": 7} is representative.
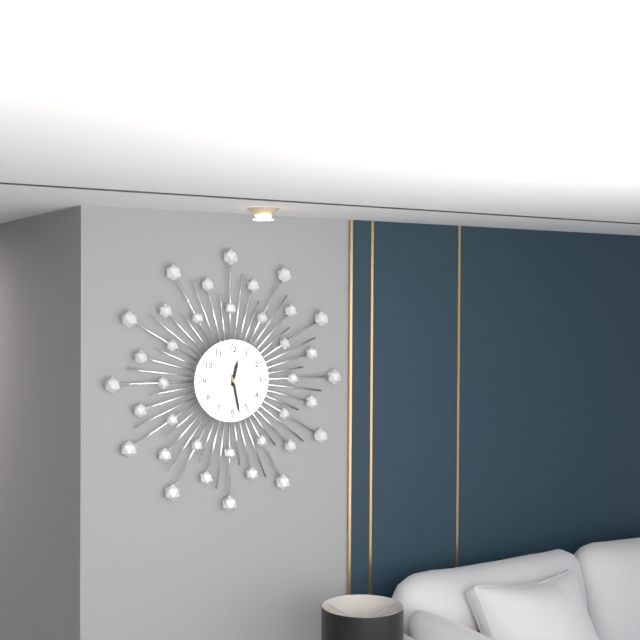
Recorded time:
{"hour": 12, "minute": 28}
